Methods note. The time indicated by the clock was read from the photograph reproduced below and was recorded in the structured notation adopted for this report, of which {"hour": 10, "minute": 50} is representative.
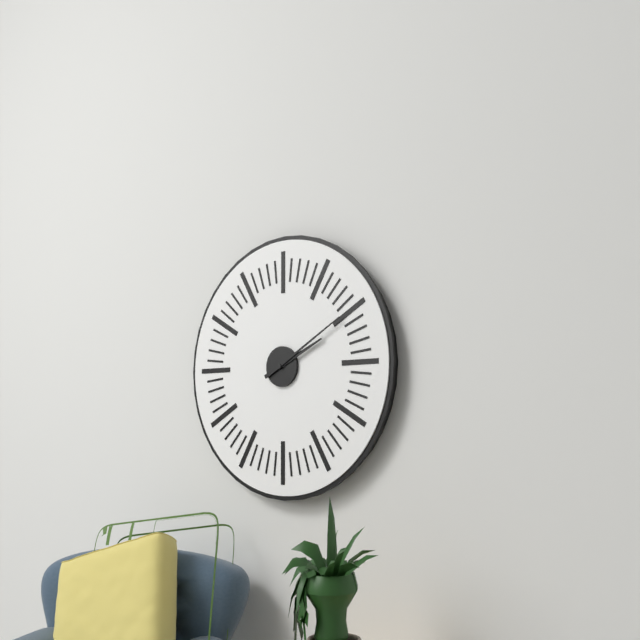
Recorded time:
{"hour": 2, "minute": 10}
